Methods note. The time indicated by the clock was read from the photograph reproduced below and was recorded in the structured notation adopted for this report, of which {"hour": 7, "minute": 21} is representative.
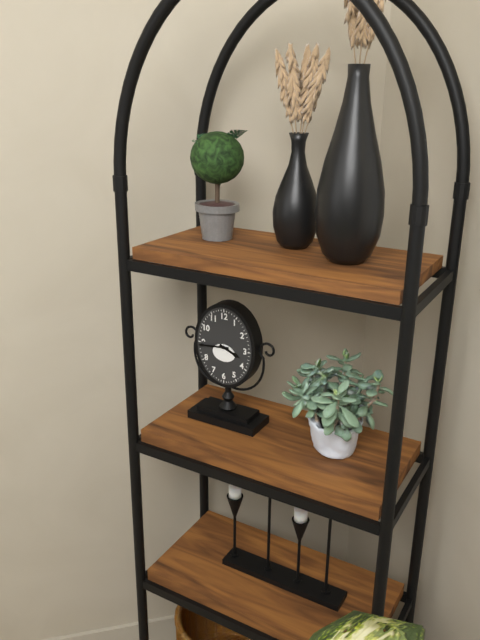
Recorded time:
{"hour": 3, "minute": 44}
